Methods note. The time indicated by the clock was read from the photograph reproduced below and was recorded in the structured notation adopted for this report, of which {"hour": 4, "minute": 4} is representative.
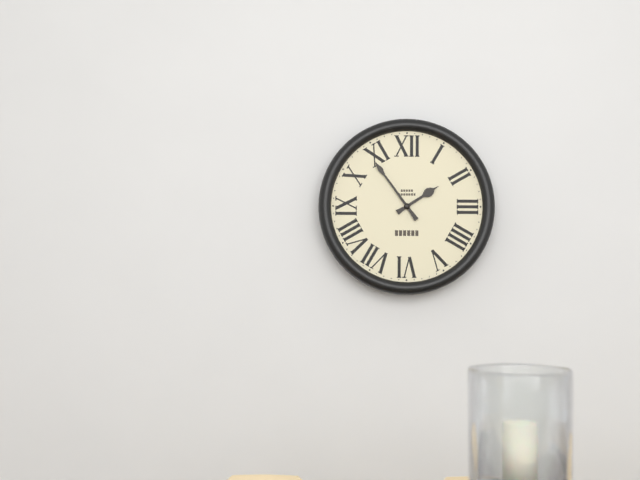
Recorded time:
{"hour": 1, "minute": 54}
